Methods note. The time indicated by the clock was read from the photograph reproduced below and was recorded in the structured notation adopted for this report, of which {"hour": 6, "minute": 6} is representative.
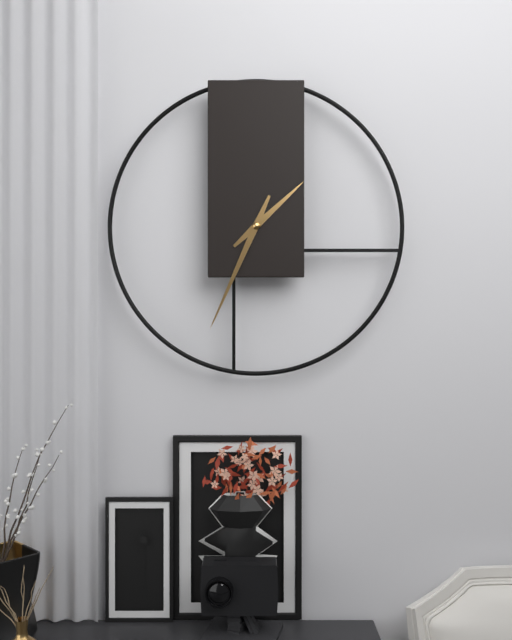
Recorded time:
{"hour": 1, "minute": 34}
